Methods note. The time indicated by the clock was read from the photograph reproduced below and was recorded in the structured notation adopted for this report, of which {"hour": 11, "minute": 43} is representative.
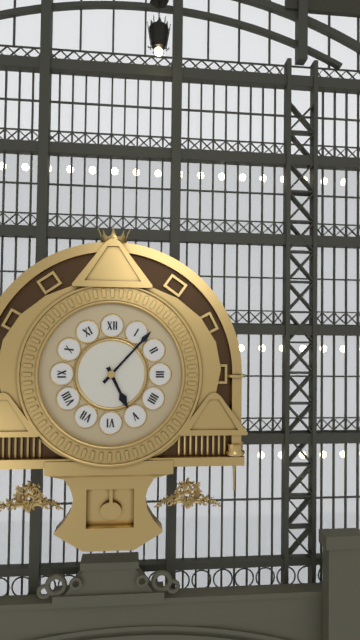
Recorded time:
{"hour": 5, "minute": 7}
